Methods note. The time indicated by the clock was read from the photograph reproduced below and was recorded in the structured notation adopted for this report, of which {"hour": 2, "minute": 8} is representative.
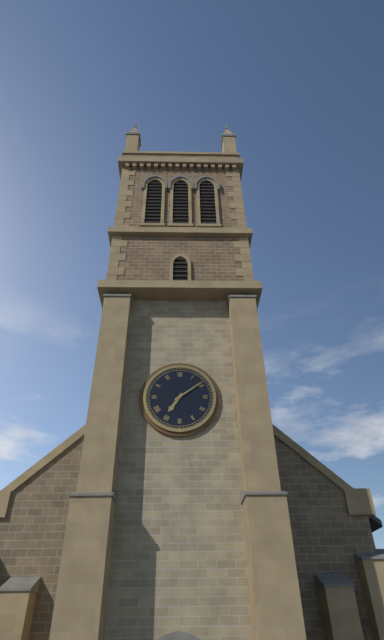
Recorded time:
{"hour": 7, "minute": 9}
